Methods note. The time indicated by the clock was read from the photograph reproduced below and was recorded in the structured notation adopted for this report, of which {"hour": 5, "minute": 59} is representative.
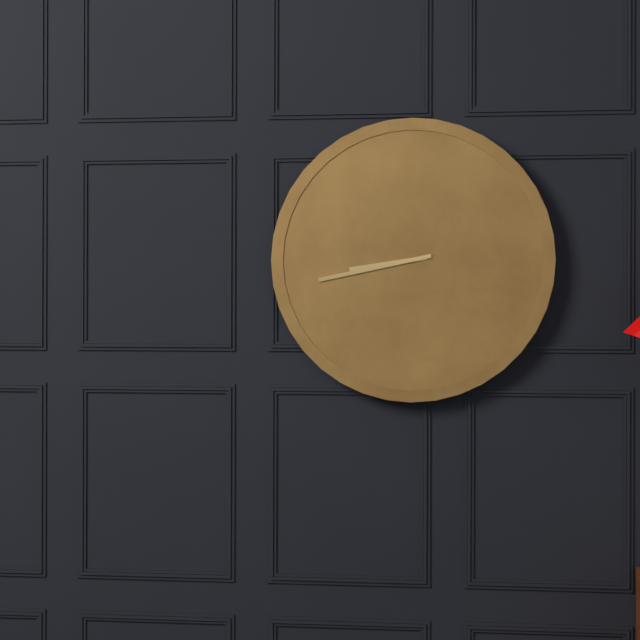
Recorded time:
{"hour": 8, "minute": 43}
